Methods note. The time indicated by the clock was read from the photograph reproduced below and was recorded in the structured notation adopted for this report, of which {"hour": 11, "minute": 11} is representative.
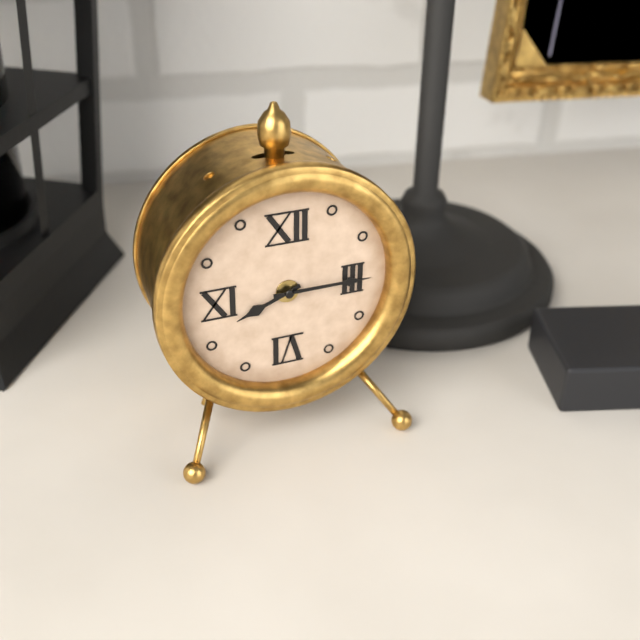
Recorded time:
{"hour": 8, "minute": 15}
